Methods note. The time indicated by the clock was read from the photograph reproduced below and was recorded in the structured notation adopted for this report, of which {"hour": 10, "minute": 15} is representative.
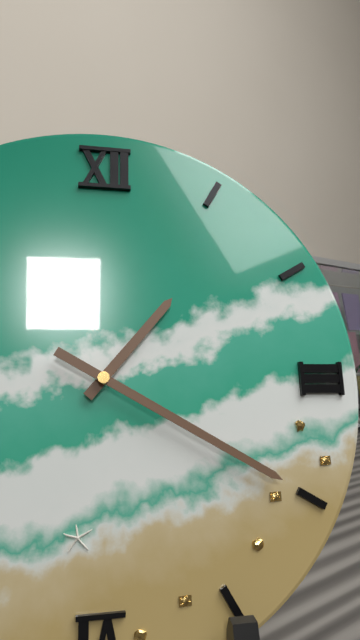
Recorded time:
{"hour": 1, "minute": 20}
